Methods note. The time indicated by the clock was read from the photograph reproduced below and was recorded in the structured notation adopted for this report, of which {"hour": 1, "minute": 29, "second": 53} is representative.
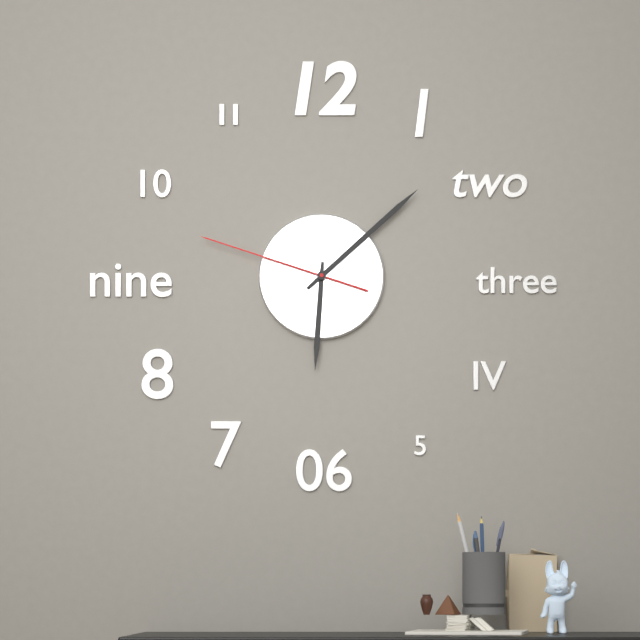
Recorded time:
{"hour": 6, "minute": 8, "second": 48}
